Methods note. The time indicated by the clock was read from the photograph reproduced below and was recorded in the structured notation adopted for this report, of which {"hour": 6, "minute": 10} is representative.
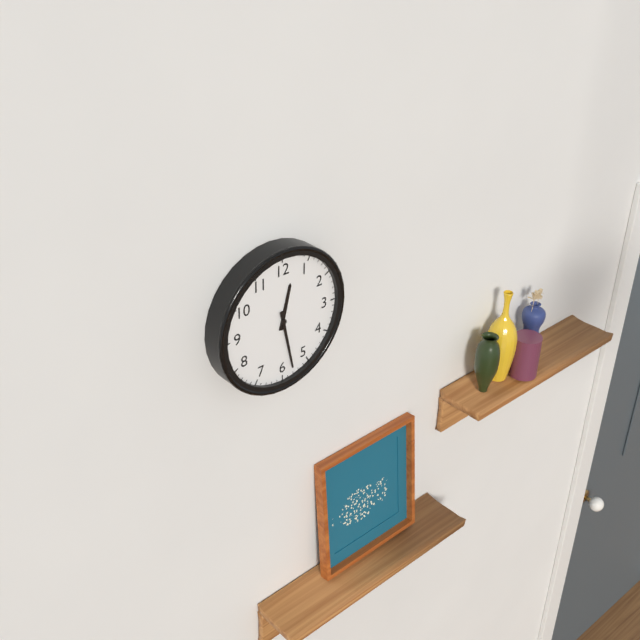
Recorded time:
{"hour": 12, "minute": 28}
